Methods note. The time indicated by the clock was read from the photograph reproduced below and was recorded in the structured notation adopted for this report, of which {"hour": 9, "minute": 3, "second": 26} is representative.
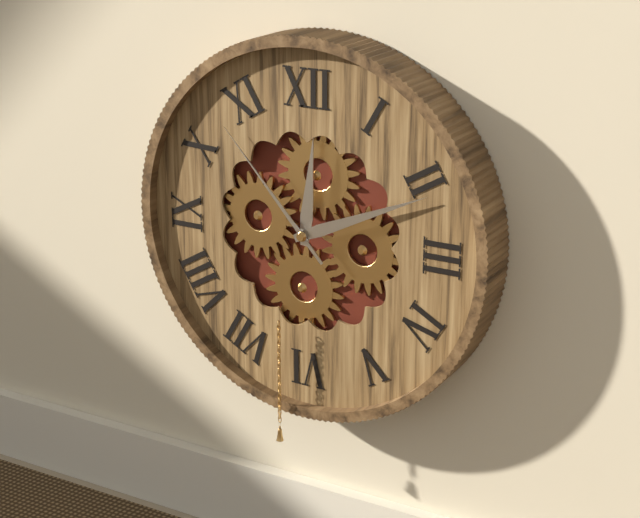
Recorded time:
{"hour": 12, "minute": 11, "second": 53}
